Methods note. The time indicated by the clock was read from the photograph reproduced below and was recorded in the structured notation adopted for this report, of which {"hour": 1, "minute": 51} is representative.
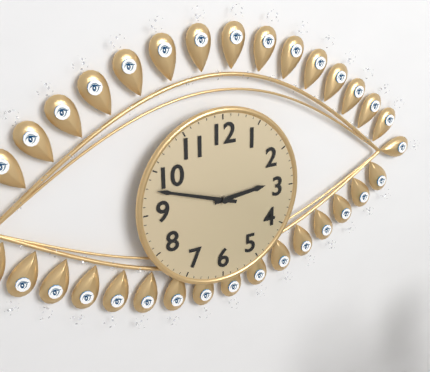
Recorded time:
{"hour": 2, "minute": 48}
